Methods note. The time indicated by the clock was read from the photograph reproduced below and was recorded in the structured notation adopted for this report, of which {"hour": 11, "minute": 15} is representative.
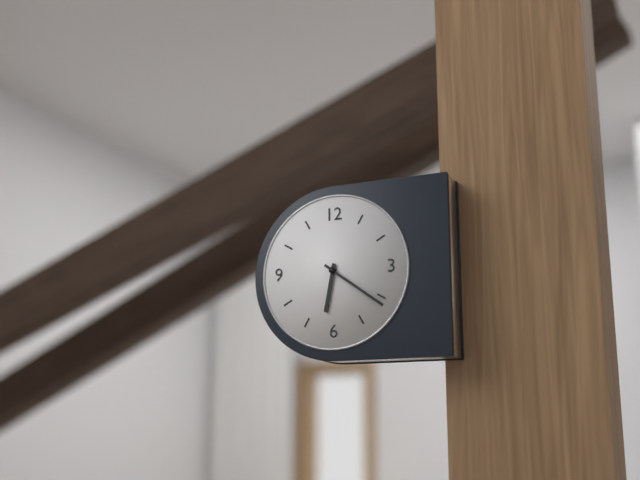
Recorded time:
{"hour": 6, "minute": 21}
